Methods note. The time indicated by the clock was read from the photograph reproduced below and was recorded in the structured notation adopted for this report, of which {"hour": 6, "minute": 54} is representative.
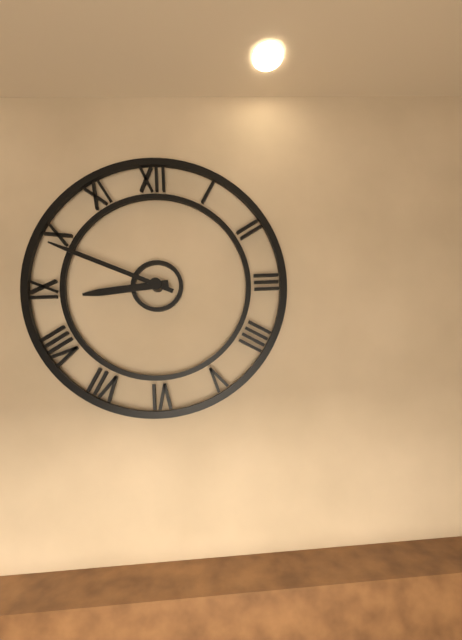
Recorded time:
{"hour": 8, "minute": 49}
